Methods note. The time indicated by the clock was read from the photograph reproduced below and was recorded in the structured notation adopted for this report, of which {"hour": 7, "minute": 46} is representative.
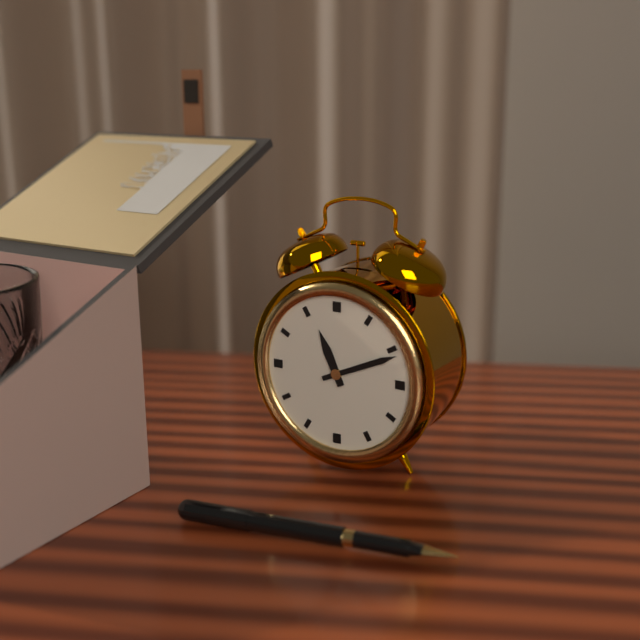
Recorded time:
{"hour": 11, "minute": 11}
